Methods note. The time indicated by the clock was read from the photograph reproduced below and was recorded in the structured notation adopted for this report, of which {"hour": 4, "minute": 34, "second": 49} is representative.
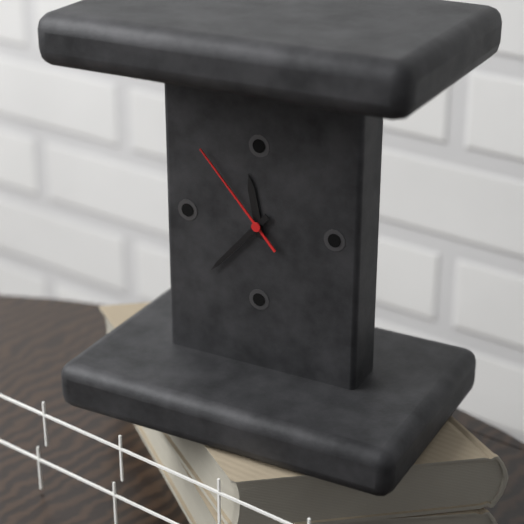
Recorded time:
{"hour": 11, "minute": 37, "second": 53}
